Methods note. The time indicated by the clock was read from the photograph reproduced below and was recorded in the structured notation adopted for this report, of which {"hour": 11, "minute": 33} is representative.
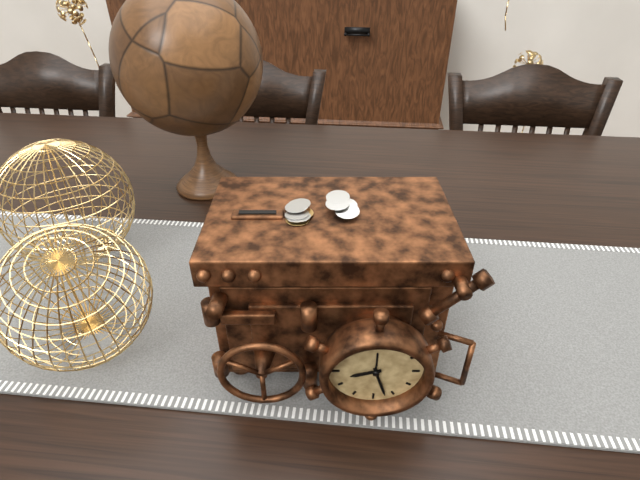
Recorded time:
{"hour": 8, "minute": 27}
